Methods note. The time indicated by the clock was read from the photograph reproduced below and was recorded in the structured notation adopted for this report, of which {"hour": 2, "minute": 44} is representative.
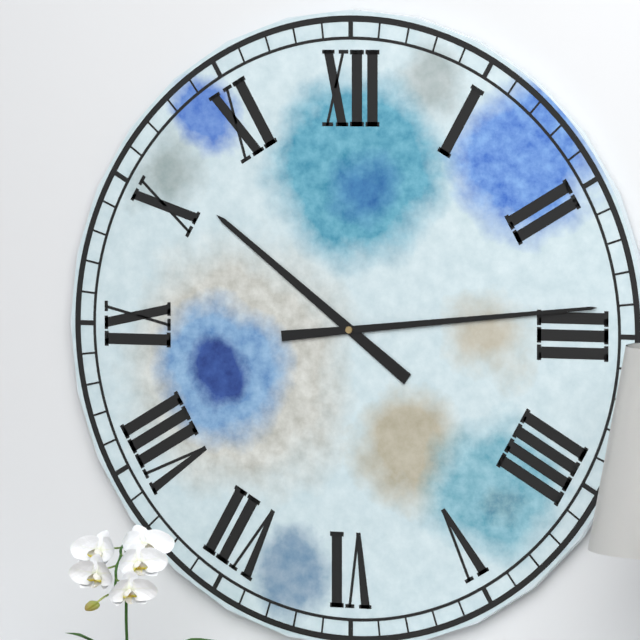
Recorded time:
{"hour": 10, "minute": 14}
